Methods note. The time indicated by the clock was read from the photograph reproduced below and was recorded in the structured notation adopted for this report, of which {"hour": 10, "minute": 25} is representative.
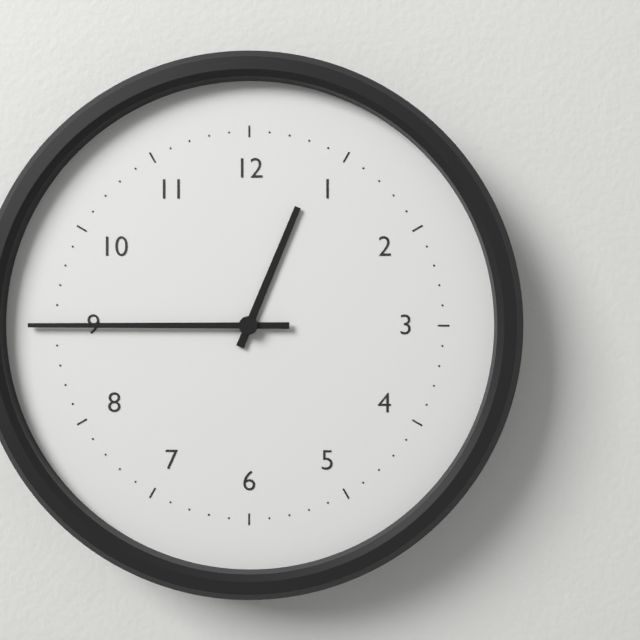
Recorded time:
{"hour": 12, "minute": 45}
